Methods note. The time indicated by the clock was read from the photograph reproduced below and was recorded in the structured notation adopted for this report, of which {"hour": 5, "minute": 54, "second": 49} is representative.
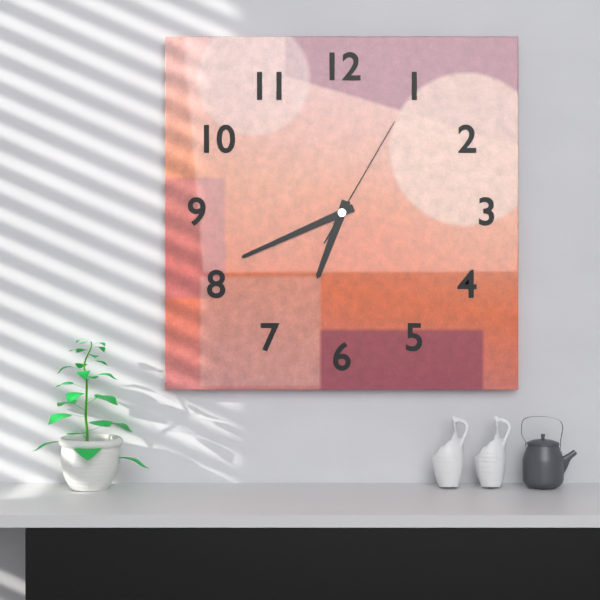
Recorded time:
{"hour": 6, "minute": 41, "second": 5}
